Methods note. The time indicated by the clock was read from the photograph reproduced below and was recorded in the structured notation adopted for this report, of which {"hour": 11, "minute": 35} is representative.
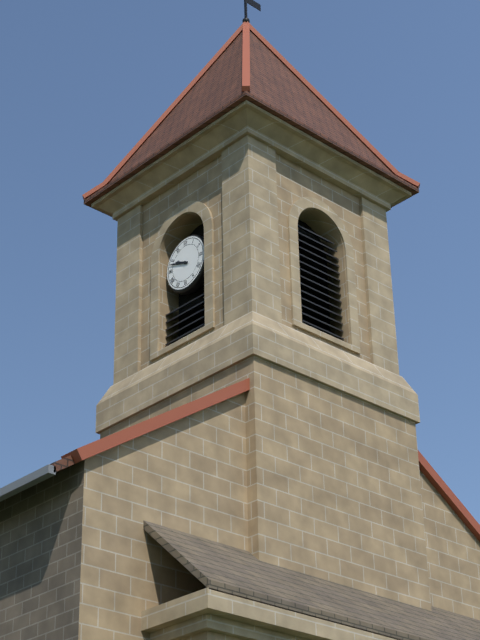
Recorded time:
{"hour": 9, "minute": 48}
